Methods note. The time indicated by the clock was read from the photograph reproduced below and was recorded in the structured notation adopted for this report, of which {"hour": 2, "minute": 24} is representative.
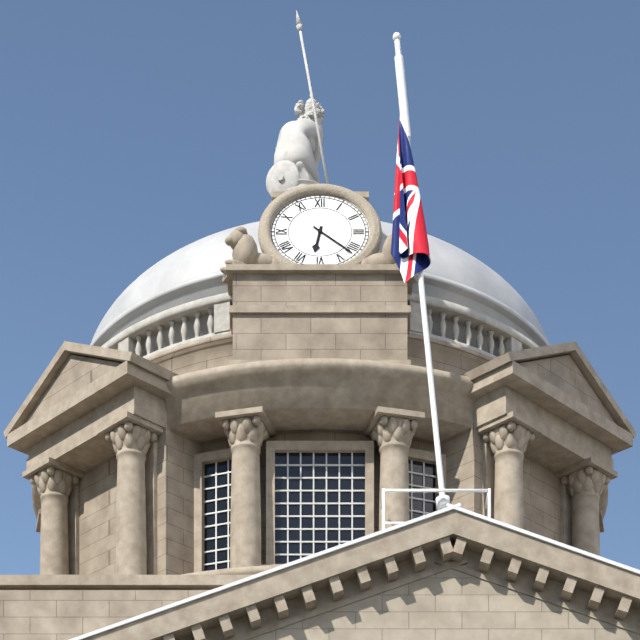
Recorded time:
{"hour": 6, "minute": 22}
